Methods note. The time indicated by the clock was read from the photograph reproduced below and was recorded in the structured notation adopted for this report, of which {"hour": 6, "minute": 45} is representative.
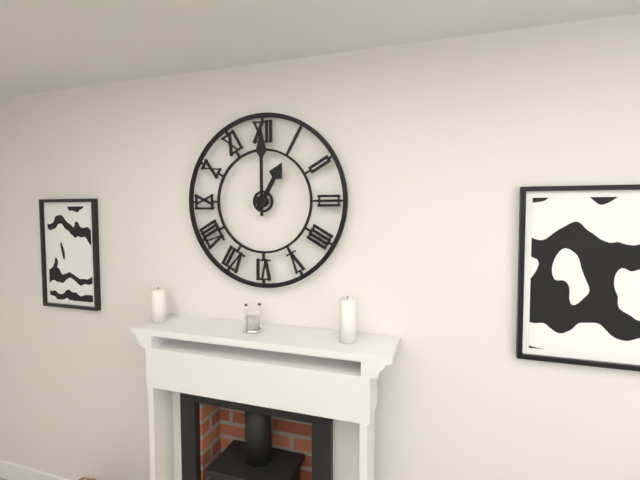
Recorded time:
{"hour": 1, "minute": 0}
